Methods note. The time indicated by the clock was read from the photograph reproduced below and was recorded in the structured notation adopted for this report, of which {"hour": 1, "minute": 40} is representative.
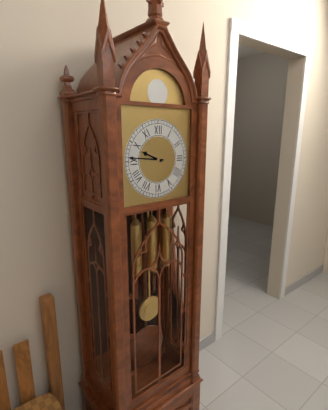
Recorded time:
{"hour": 9, "minute": 46}
